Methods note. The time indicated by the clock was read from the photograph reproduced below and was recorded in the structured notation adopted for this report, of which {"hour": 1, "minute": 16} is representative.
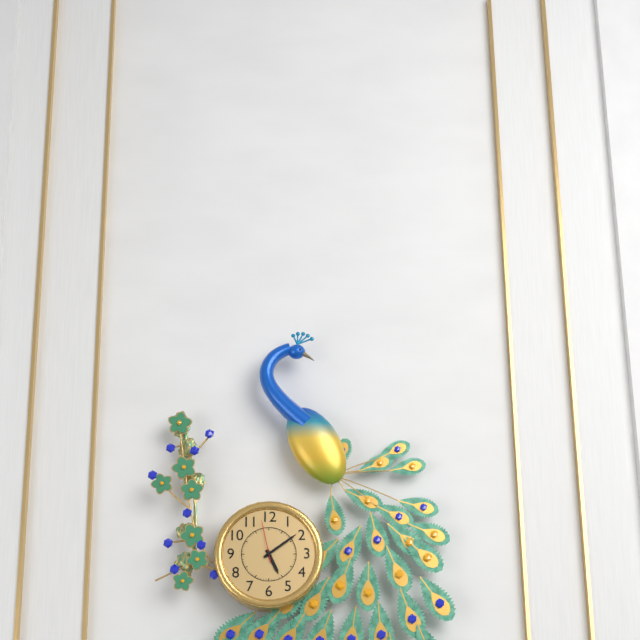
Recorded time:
{"hour": 5, "minute": 9}
